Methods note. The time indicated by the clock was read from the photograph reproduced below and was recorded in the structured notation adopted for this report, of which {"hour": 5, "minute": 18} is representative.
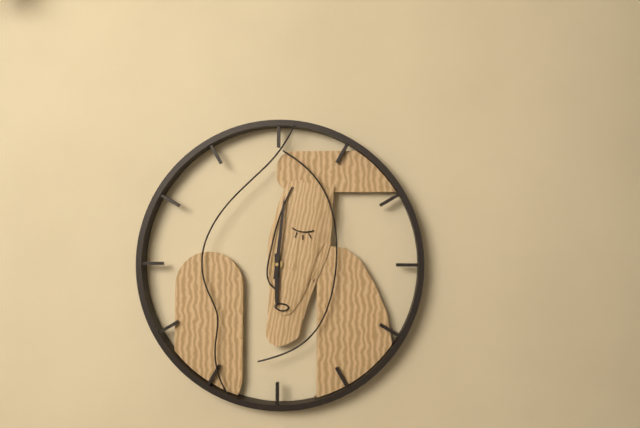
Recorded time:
{"hour": 6, "minute": 1}
